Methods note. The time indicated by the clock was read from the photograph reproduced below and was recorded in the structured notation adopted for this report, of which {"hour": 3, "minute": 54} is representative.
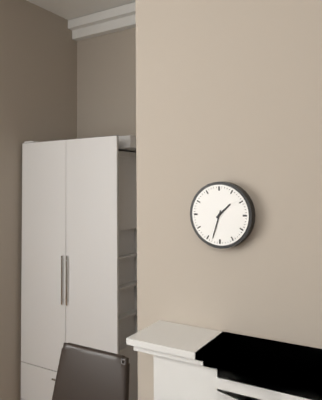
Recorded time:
{"hour": 1, "minute": 33}
